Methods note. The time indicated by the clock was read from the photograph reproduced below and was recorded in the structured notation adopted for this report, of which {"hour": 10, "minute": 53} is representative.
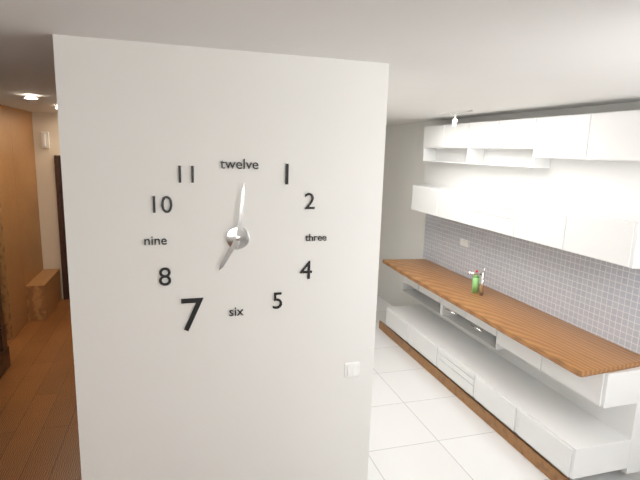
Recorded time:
{"hour": 7, "minute": 1}
